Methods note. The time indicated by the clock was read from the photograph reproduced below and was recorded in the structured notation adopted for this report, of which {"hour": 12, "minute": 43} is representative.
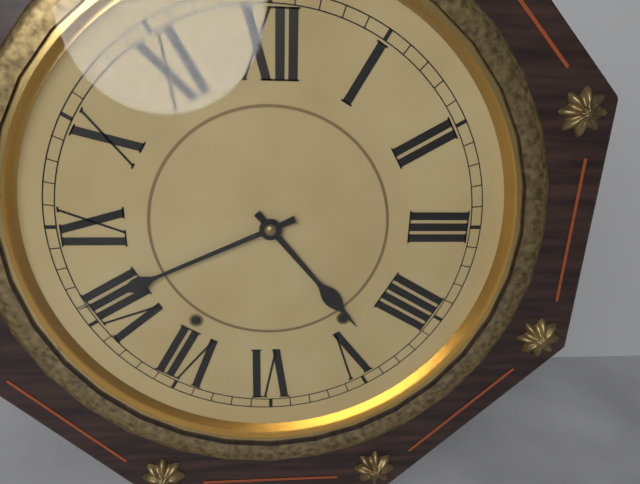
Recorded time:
{"hour": 4, "minute": 41}
